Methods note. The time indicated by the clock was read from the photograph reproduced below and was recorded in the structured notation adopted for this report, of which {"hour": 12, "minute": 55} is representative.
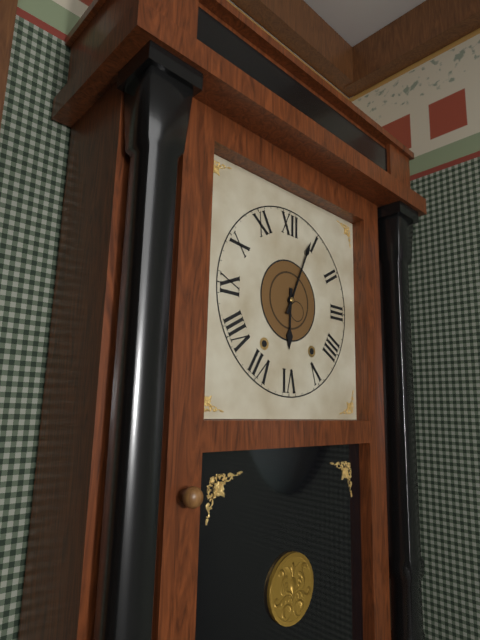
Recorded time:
{"hour": 6, "minute": 4}
